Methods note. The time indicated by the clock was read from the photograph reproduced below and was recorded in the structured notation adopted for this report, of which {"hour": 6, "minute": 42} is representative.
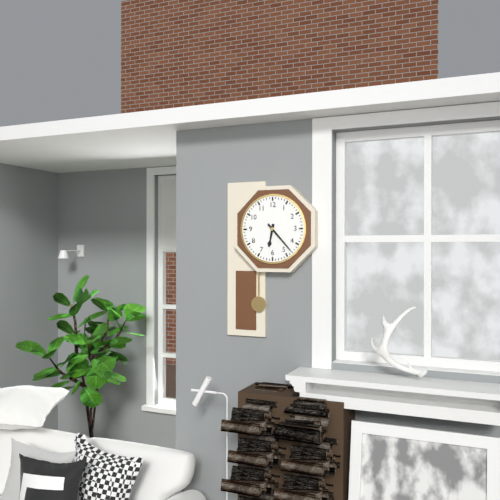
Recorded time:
{"hour": 6, "minute": 23}
